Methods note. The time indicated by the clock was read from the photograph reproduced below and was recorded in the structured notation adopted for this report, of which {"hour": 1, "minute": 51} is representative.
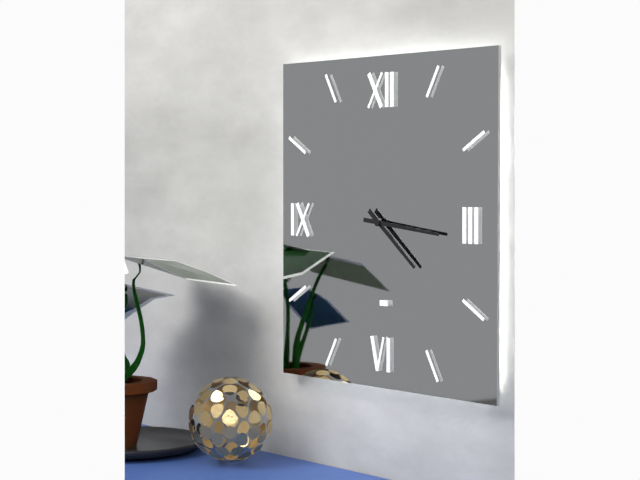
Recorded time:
{"hour": 4, "minute": 16}
